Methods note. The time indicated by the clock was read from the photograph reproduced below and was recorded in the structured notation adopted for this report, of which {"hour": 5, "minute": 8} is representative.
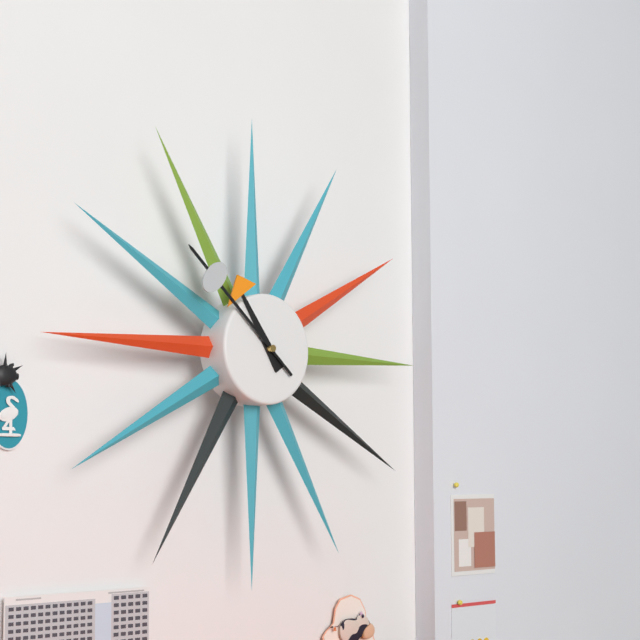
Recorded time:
{"hour": 10, "minute": 52}
